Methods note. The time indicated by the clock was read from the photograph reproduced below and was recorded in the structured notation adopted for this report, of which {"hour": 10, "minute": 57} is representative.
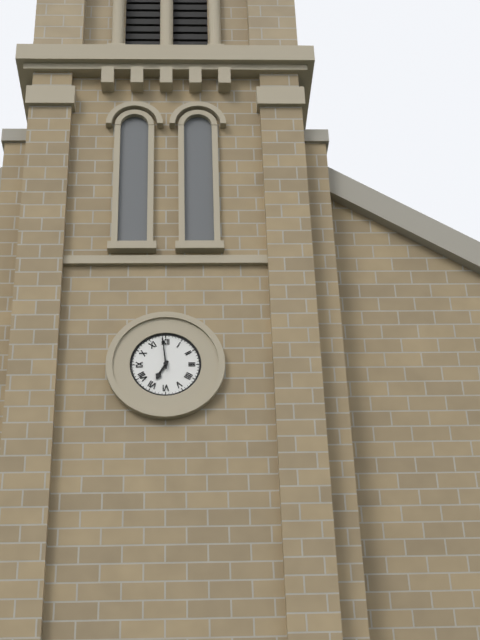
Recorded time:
{"hour": 6, "minute": 59}
